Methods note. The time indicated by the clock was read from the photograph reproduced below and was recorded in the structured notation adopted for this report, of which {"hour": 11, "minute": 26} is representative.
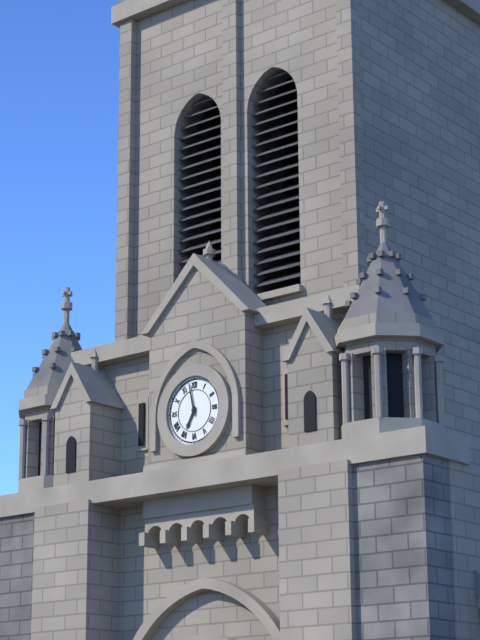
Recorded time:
{"hour": 6, "minute": 58}
